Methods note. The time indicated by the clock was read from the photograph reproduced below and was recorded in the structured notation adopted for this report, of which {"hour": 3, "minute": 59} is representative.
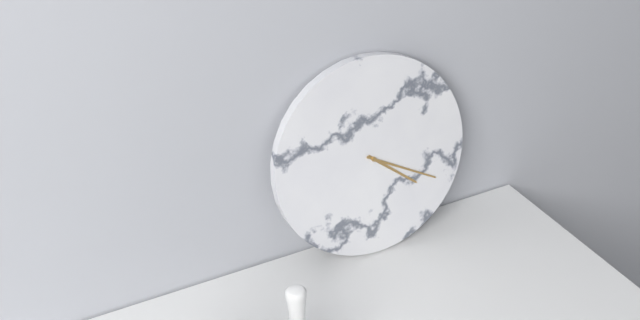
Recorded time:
{"hour": 4, "minute": 20}
